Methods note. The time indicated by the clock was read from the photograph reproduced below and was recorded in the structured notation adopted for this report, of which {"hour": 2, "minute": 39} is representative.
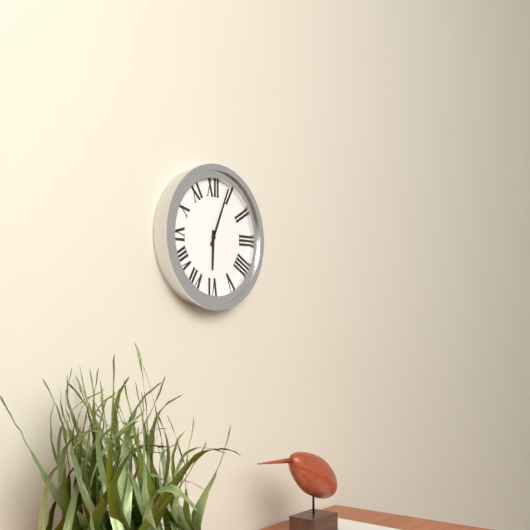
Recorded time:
{"hour": 6, "minute": 4}
